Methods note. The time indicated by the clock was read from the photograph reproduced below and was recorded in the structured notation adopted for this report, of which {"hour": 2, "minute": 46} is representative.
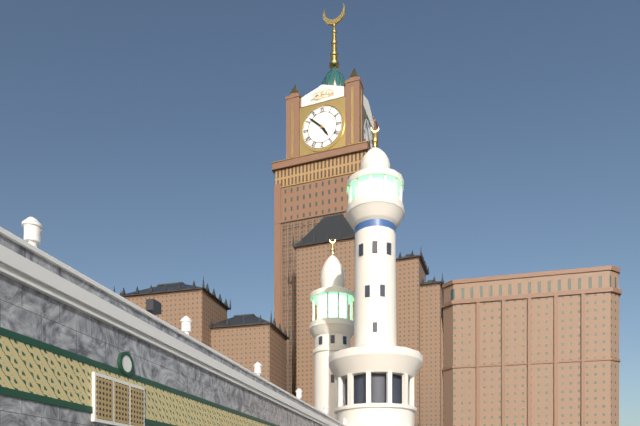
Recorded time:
{"hour": 4, "minute": 52}
